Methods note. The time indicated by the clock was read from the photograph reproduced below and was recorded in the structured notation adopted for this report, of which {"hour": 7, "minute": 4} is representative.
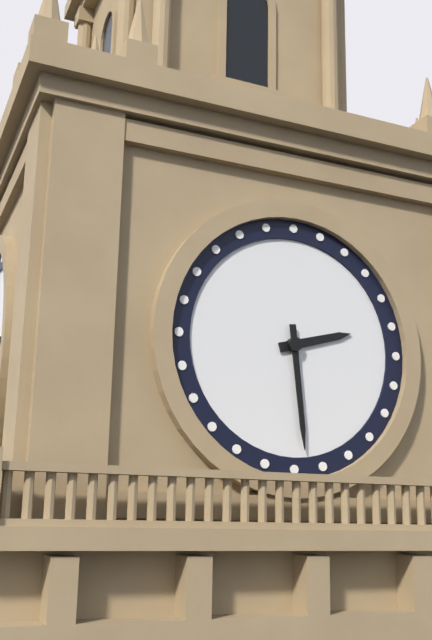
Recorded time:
{"hour": 2, "minute": 29}
